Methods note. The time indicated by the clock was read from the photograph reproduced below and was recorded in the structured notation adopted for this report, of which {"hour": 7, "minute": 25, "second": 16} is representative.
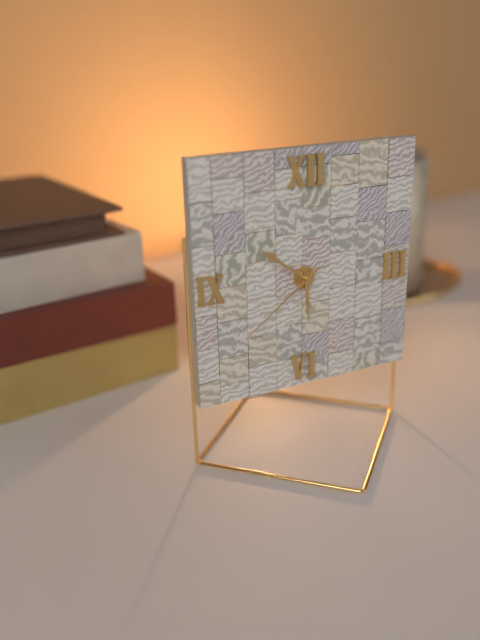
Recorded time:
{"hour": 5, "minute": 51, "second": 39}
